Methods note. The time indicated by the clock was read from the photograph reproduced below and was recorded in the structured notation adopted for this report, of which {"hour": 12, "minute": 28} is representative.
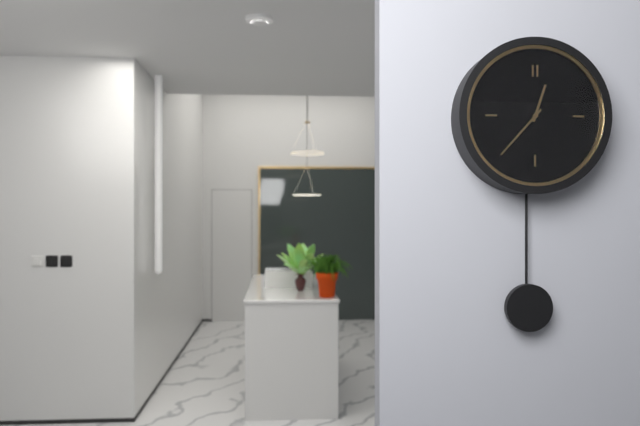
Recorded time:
{"hour": 12, "minute": 37}
